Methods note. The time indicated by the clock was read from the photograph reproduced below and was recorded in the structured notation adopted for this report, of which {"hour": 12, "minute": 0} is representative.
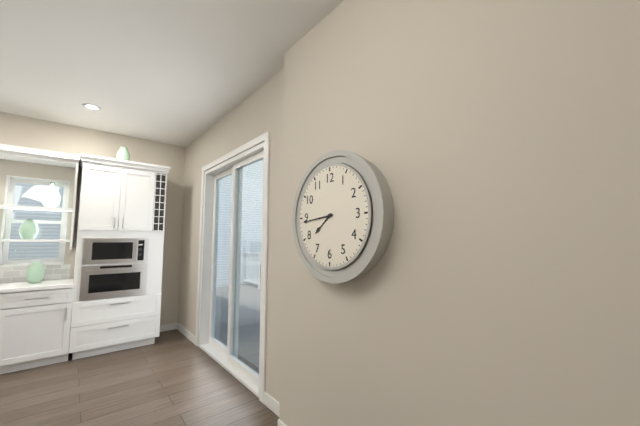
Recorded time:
{"hour": 7, "minute": 44}
